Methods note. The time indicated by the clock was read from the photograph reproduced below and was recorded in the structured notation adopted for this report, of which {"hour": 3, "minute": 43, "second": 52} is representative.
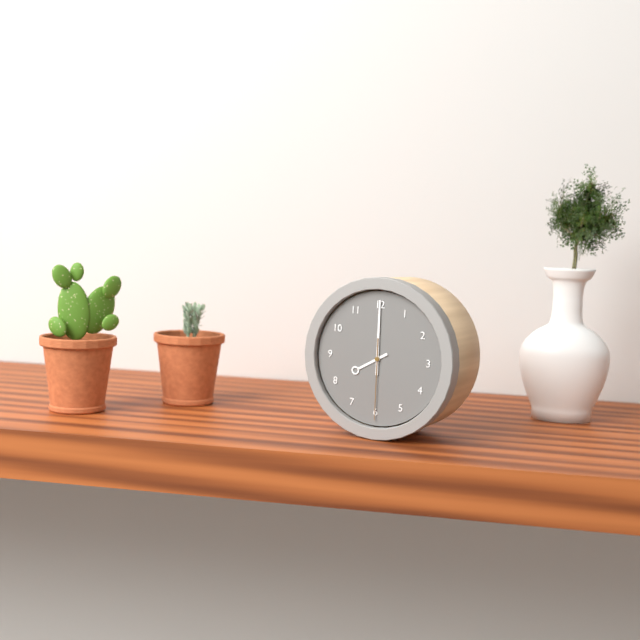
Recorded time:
{"hour": 8, "minute": 0, "second": 30}
